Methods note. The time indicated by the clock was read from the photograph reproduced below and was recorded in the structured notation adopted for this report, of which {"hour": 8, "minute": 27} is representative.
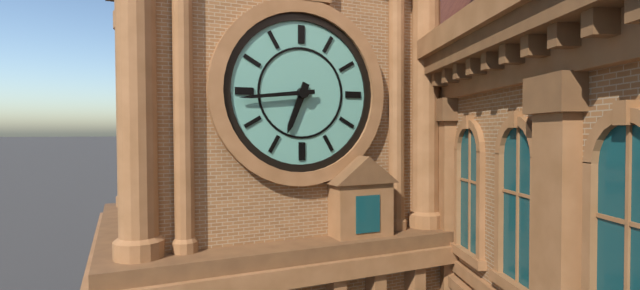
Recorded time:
{"hour": 6, "minute": 44}
